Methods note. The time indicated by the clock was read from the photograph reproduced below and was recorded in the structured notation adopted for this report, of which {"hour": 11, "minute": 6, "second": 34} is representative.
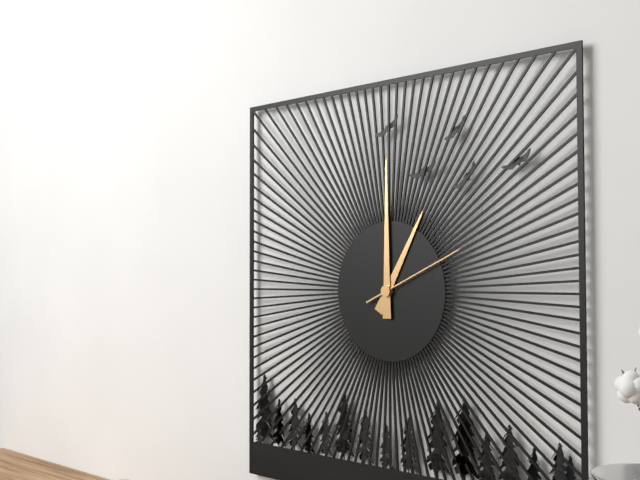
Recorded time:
{"hour": 1, "minute": 0, "second": 11}
